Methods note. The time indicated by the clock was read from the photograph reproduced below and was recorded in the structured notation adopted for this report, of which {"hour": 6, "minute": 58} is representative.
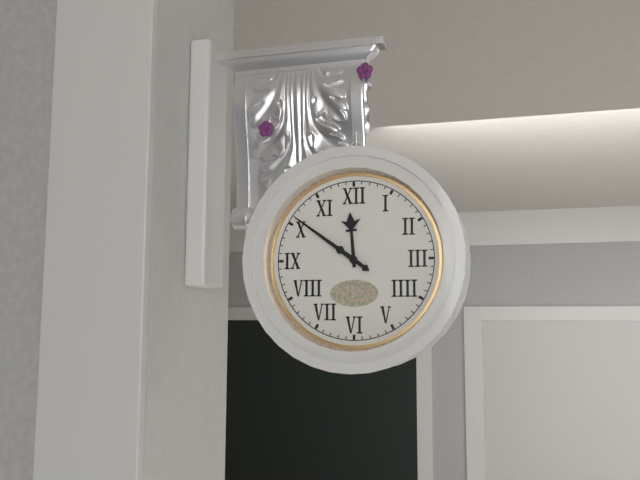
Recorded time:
{"hour": 11, "minute": 51}
